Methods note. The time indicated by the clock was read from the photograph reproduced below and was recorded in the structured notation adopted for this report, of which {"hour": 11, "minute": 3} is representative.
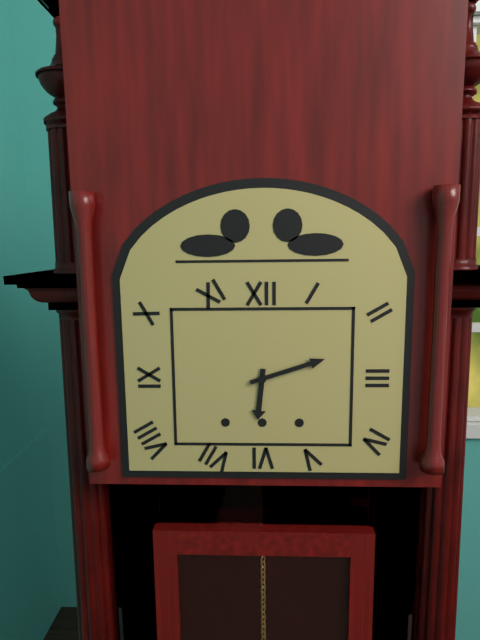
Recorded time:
{"hour": 6, "minute": 12}
